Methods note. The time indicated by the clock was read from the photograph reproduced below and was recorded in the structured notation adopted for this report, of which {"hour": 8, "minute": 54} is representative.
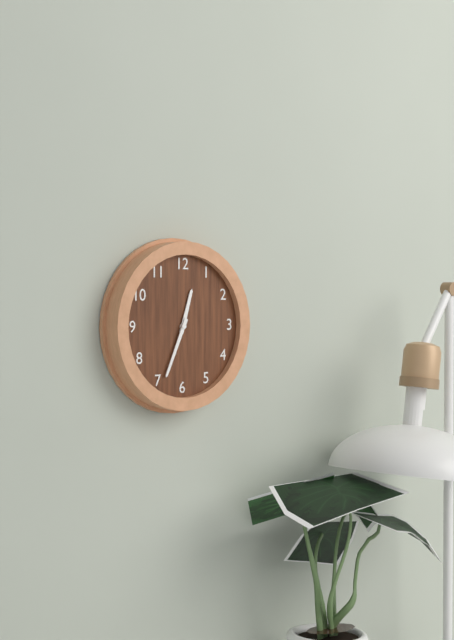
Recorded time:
{"hour": 12, "minute": 34}
